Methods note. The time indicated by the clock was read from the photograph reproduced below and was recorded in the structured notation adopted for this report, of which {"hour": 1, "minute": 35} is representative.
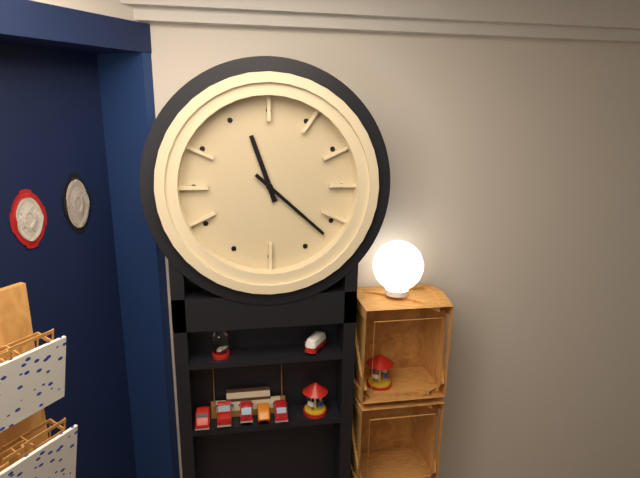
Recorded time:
{"hour": 11, "minute": 22}
